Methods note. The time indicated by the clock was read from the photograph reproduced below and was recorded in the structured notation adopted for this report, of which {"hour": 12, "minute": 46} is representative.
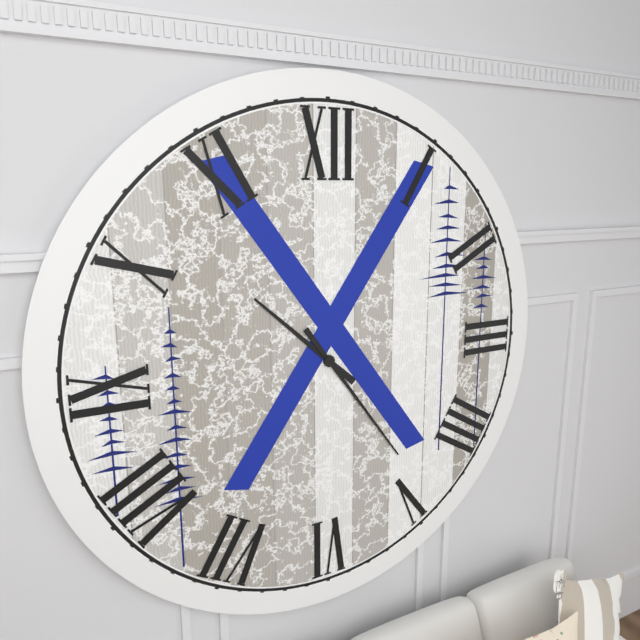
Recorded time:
{"hour": 10, "minute": 24}
